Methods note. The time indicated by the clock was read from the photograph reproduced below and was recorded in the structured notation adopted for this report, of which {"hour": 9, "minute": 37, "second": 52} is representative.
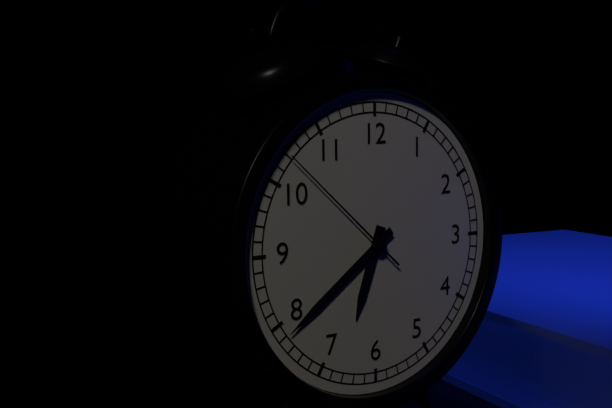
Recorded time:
{"hour": 6, "minute": 39, "second": 52}
